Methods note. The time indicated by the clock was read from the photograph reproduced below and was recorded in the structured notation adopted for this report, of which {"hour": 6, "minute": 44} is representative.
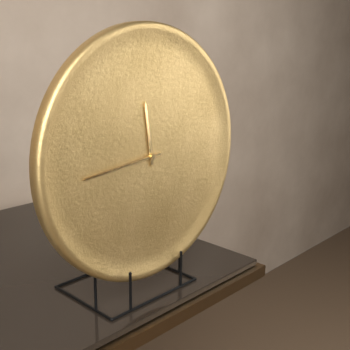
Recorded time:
{"hour": 11, "minute": 44}
